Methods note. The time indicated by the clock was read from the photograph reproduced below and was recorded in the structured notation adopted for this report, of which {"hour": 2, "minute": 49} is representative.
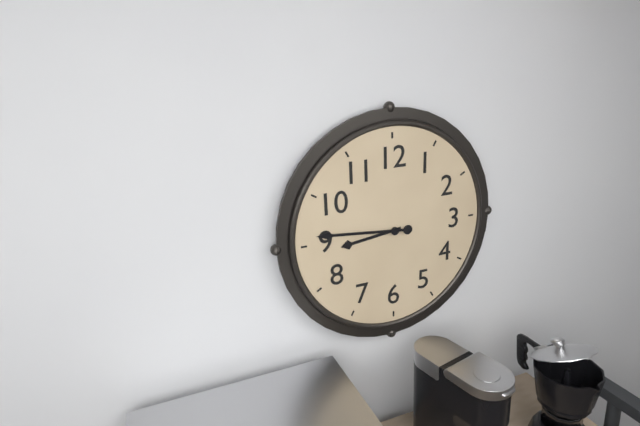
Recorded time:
{"hour": 8, "minute": 46}
